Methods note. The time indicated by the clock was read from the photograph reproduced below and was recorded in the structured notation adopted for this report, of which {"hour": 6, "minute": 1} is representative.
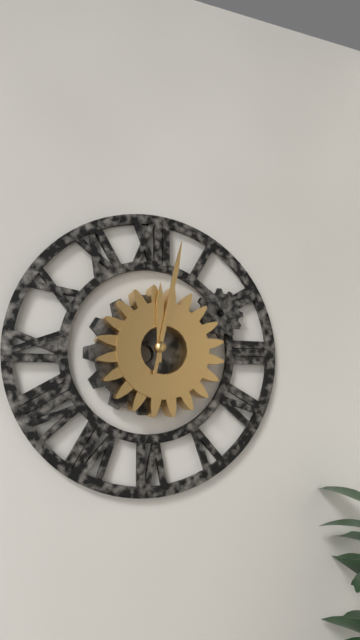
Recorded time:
{"hour": 12, "minute": 2}
